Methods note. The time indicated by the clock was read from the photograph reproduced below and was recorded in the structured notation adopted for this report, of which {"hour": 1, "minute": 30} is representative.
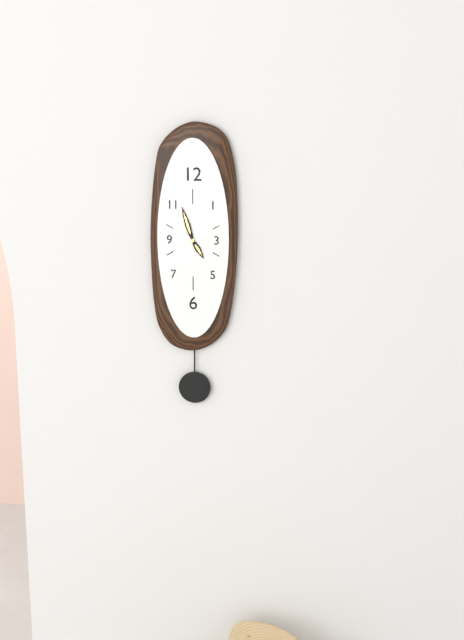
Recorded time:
{"hour": 4, "minute": 57}
